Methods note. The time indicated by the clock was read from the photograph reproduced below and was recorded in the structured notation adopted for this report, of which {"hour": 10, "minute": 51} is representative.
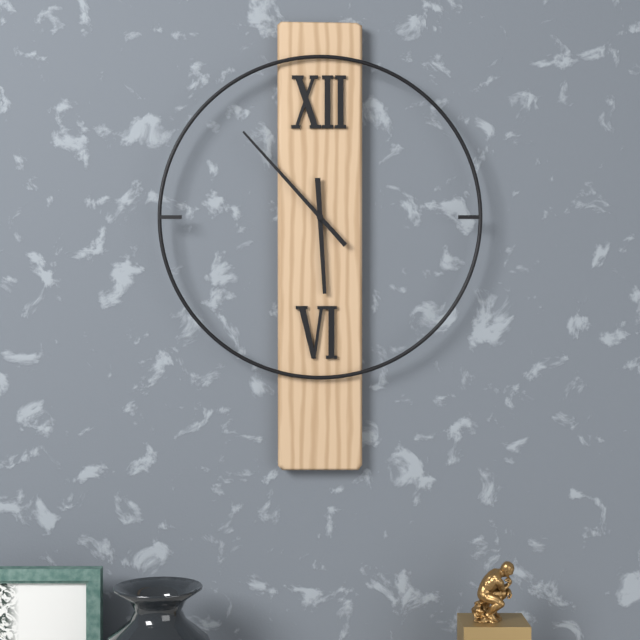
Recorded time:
{"hour": 5, "minute": 53}
